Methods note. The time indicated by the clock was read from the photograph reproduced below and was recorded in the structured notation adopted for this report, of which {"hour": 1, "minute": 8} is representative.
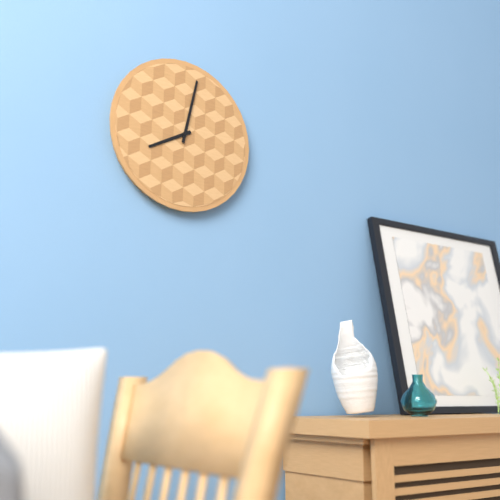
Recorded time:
{"hour": 8, "minute": 2}
